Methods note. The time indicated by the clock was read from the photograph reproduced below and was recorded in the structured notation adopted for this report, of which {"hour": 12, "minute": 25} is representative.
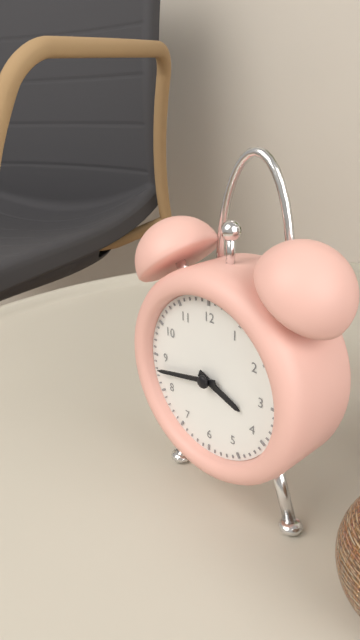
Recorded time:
{"hour": 3, "minute": 43}
